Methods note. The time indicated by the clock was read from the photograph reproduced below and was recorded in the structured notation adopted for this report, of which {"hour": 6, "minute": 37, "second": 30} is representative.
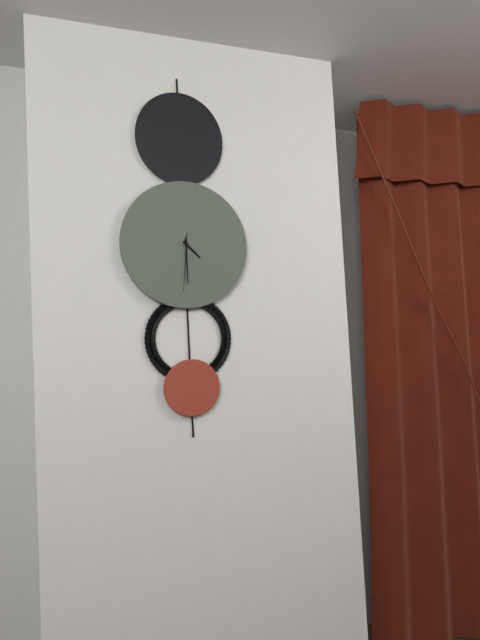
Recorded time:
{"hour": 4, "minute": 30, "second": 31}
